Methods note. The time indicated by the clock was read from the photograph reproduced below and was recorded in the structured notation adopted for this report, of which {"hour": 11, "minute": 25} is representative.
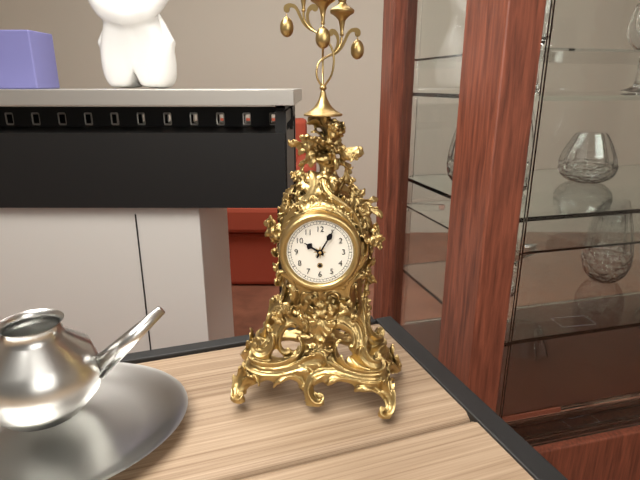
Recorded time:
{"hour": 10, "minute": 5}
